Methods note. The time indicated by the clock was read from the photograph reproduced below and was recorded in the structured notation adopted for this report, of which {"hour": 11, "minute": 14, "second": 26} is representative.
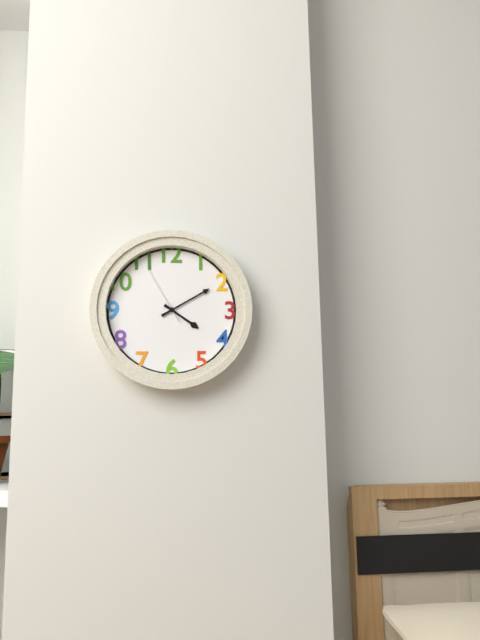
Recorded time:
{"hour": 4, "minute": 10, "second": 55}
